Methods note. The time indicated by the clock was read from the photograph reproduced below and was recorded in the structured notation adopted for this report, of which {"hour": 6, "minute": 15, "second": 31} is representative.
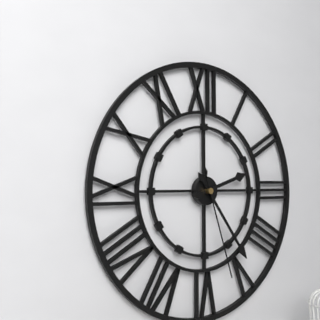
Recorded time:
{"hour": 2, "minute": 24, "second": 27}
